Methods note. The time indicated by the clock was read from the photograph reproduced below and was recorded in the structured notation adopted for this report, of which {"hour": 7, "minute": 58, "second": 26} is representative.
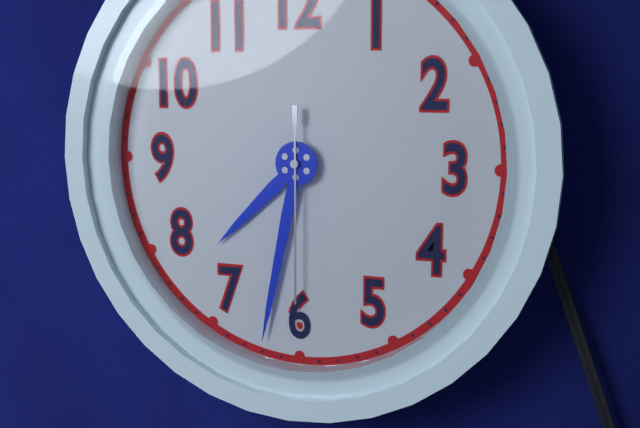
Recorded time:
{"hour": 7, "minute": 32, "second": 30}
